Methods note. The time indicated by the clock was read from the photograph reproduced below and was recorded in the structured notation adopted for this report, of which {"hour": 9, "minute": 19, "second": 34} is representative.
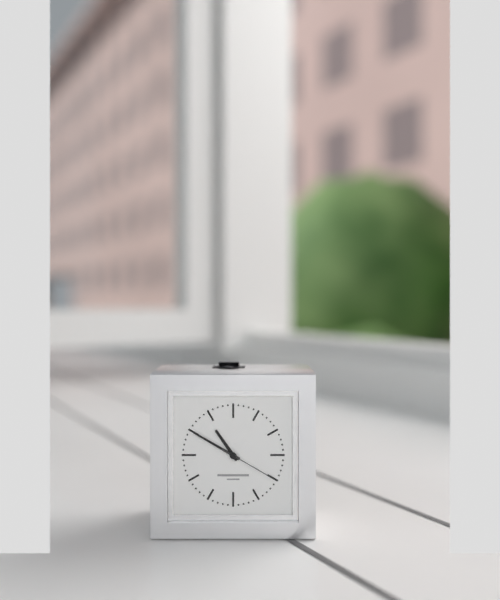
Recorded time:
{"hour": 10, "minute": 50, "second": 20}
